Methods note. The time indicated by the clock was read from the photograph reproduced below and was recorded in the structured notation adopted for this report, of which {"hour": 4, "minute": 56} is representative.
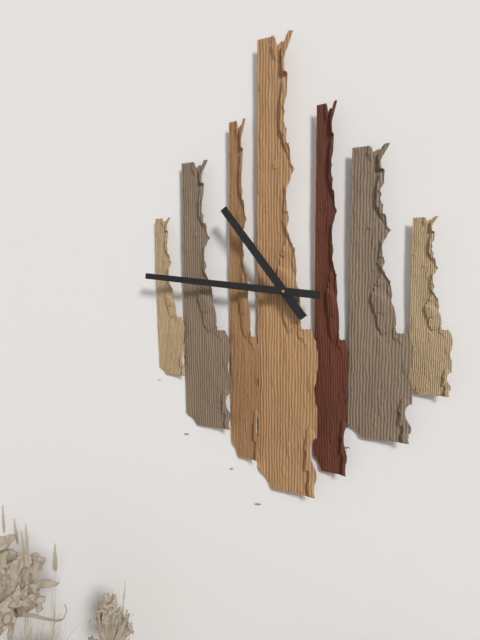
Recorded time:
{"hour": 10, "minute": 46}
